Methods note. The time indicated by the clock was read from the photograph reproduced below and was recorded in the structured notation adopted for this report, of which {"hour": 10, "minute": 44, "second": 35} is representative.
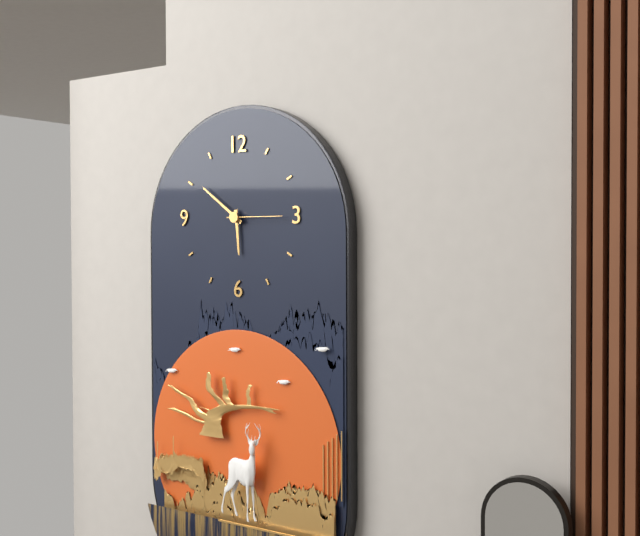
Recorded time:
{"hour": 5, "minute": 51, "second": 15}
